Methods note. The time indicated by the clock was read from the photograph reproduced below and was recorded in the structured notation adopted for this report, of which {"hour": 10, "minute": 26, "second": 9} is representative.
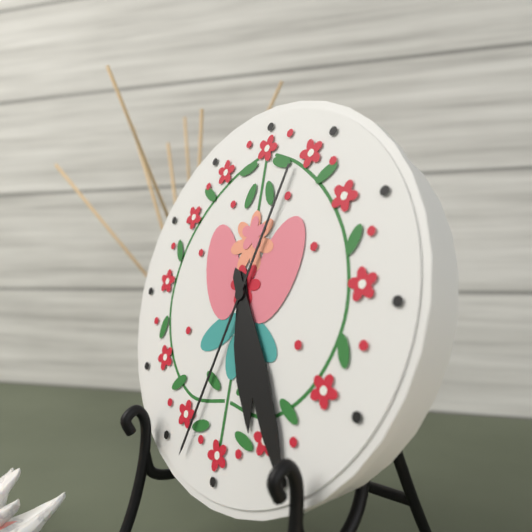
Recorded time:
{"hour": 5, "minute": 25, "second": 33}
